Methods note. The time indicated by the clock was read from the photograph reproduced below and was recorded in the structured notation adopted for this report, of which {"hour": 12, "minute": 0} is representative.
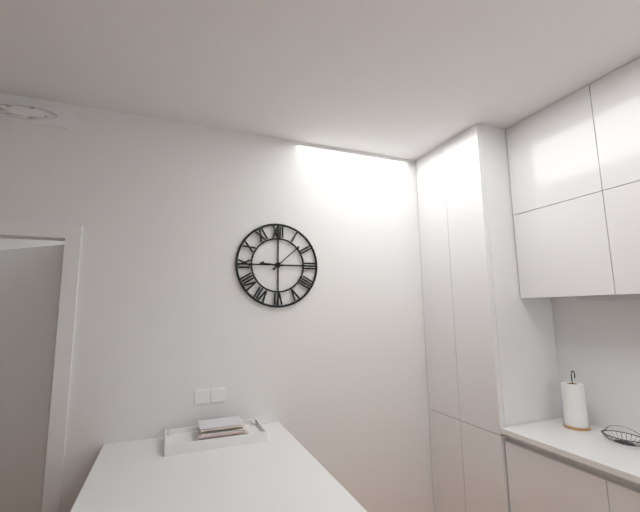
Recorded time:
{"hour": 9, "minute": 8}
